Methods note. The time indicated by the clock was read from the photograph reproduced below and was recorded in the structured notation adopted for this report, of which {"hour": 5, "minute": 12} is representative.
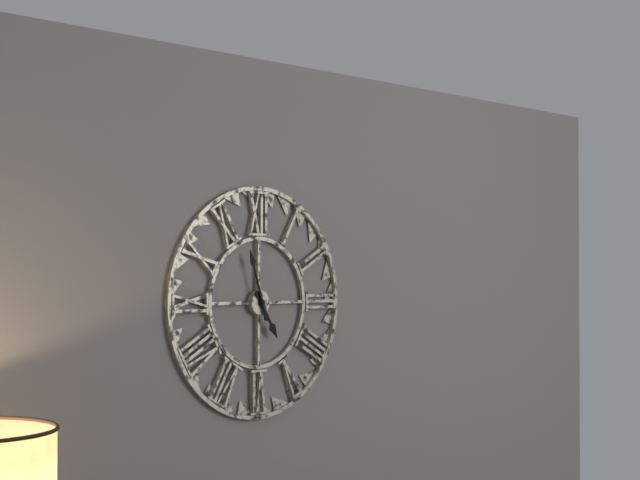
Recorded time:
{"hour": 4, "minute": 57}
